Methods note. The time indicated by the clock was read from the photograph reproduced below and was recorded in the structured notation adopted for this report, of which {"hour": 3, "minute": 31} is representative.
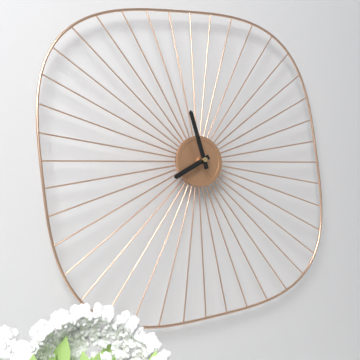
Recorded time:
{"hour": 7, "minute": 57}
